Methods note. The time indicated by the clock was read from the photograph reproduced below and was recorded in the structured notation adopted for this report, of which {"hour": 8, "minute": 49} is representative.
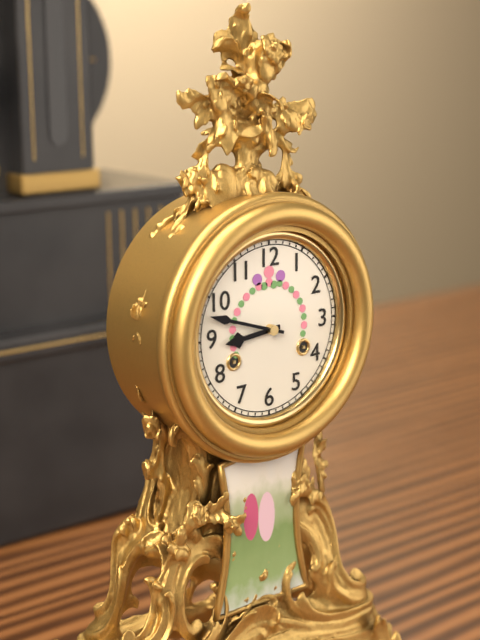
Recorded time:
{"hour": 8, "minute": 48}
